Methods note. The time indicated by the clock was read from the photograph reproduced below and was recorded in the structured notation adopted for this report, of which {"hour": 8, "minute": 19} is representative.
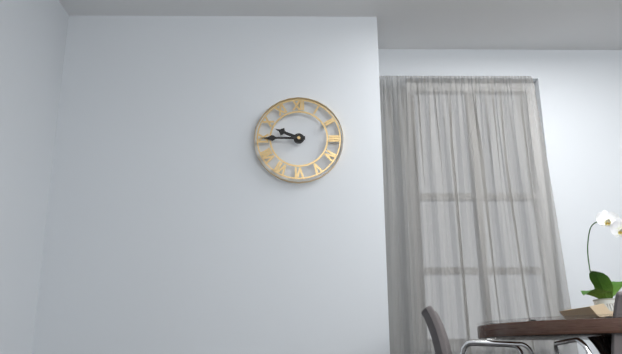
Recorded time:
{"hour": 9, "minute": 45}
